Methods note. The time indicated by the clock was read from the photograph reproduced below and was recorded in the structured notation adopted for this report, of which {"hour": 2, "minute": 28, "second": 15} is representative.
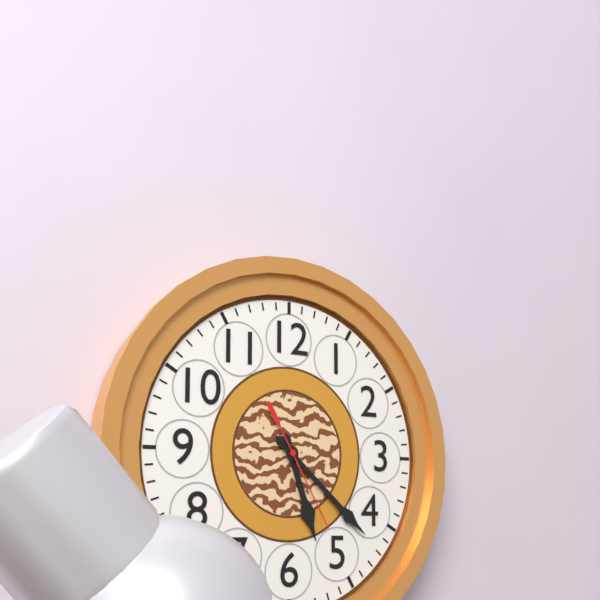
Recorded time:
{"hour": 5, "minute": 22, "second": 25}
